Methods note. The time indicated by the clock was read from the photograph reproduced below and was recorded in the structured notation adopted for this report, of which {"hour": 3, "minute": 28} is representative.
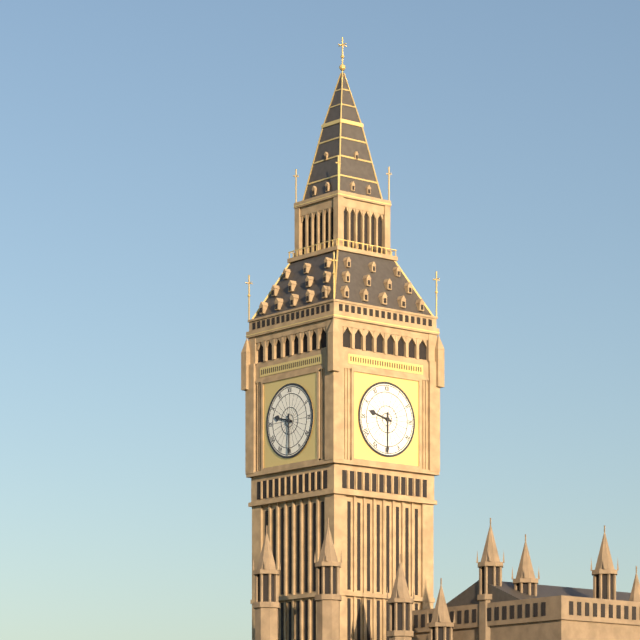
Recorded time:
{"hour": 9, "minute": 30}
